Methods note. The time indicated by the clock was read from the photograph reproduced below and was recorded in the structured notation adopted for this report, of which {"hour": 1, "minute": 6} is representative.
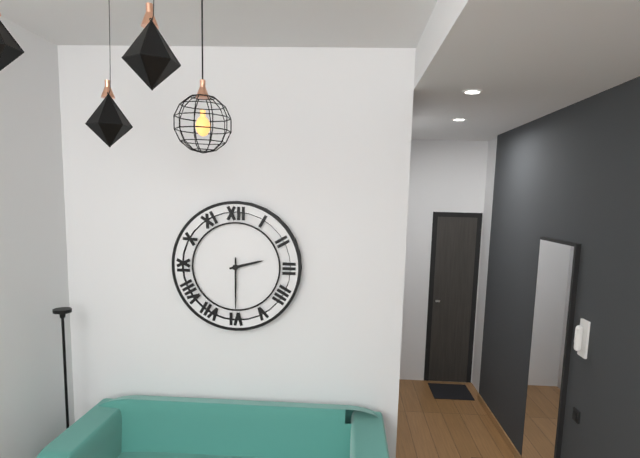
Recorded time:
{"hour": 2, "minute": 30}
